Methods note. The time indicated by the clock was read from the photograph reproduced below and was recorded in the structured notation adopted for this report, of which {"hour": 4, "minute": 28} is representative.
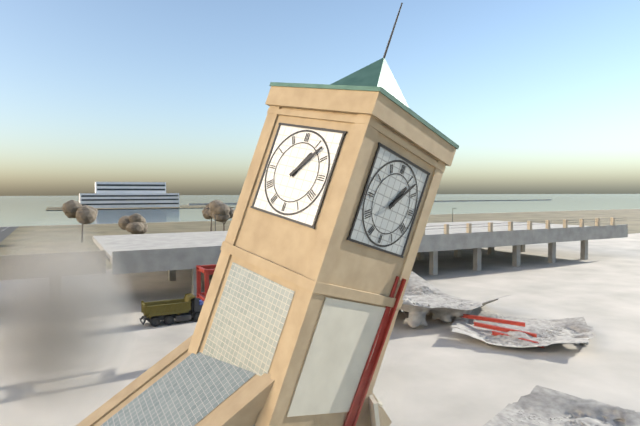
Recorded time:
{"hour": 1, "minute": 7}
